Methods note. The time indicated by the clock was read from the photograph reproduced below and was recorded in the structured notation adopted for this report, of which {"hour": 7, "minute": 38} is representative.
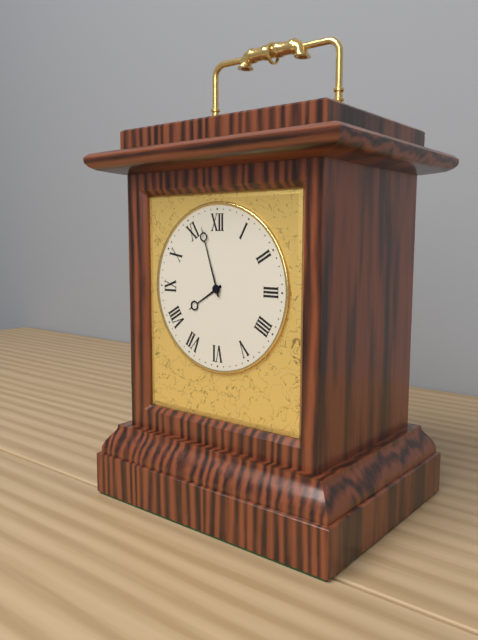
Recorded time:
{"hour": 7, "minute": 57}
